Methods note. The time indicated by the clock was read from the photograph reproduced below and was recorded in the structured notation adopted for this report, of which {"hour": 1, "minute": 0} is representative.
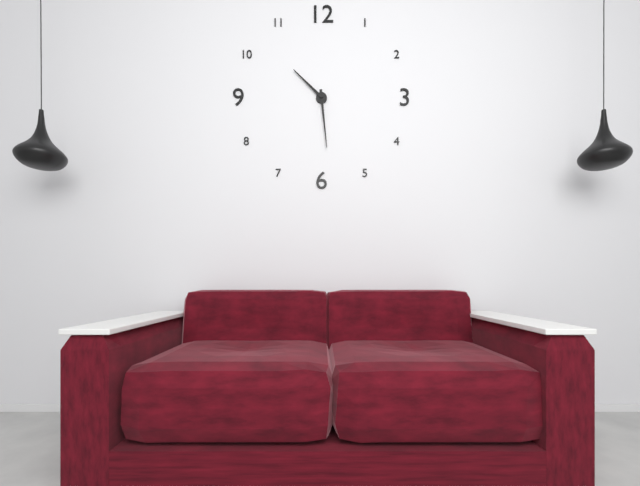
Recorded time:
{"hour": 10, "minute": 29}
